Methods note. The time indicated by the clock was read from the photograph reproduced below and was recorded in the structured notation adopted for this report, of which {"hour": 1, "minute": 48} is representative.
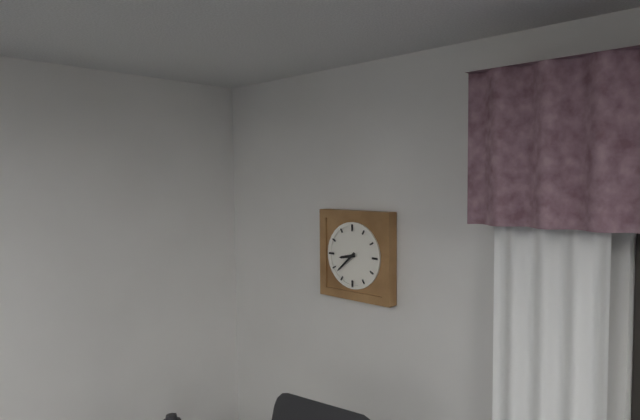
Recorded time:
{"hour": 8, "minute": 38}
